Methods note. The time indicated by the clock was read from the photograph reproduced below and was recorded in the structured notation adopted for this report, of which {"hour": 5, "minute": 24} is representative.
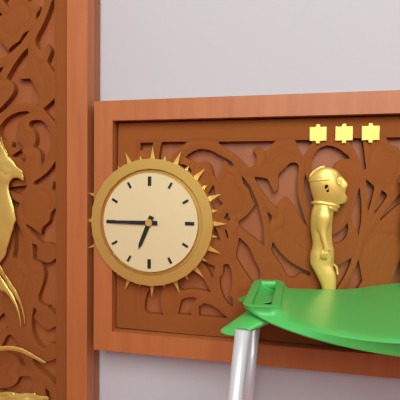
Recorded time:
{"hour": 6, "minute": 45}
